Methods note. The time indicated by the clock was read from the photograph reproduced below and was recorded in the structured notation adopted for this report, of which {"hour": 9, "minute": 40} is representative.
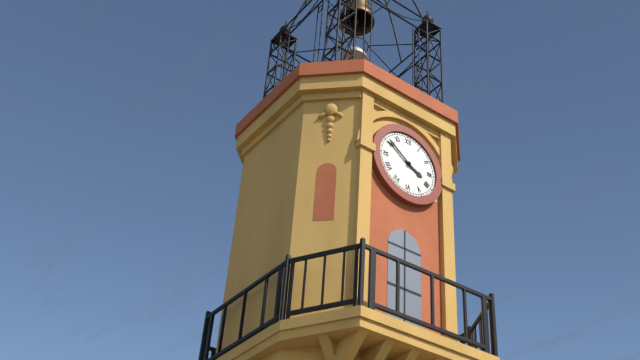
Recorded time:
{"hour": 3, "minute": 51}
